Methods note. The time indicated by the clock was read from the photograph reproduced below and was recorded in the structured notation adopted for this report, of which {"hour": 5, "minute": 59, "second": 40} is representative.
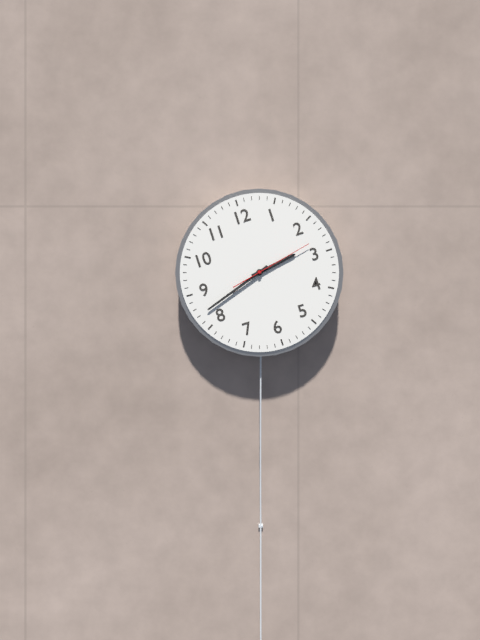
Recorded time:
{"hour": 2, "minute": 42, "second": 13}
